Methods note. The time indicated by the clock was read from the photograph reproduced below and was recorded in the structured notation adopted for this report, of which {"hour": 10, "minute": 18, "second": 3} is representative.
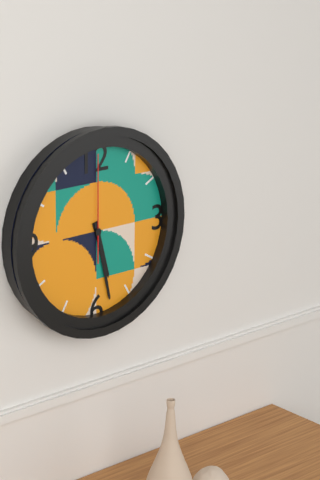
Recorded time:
{"hour": 5, "minute": 28, "second": 0}
